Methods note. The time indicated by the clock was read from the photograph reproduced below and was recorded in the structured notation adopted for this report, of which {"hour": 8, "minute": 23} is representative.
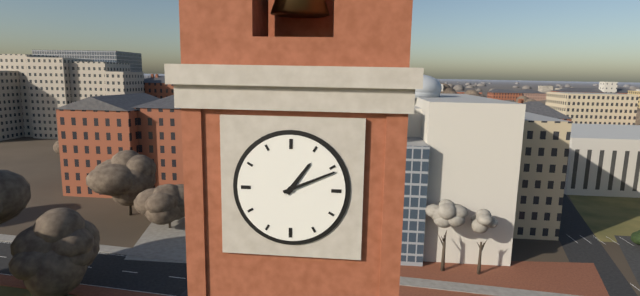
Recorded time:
{"hour": 1, "minute": 11}
